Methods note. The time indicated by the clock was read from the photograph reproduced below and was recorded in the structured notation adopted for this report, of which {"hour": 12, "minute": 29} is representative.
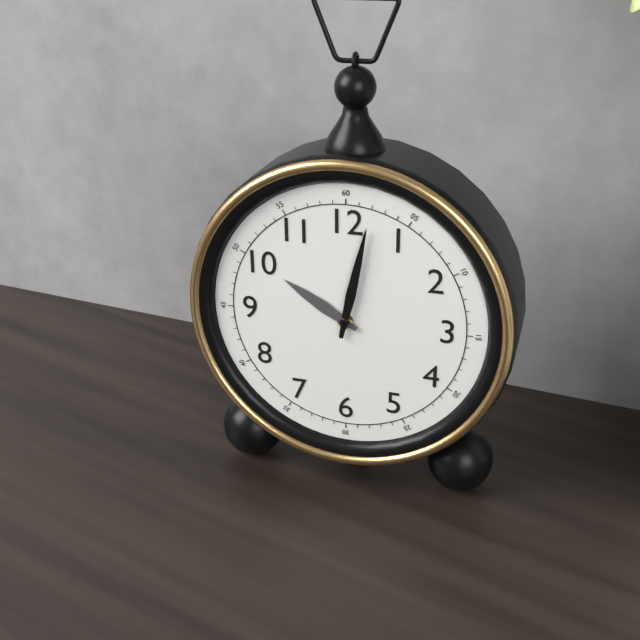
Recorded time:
{"hour": 10, "minute": 2}
